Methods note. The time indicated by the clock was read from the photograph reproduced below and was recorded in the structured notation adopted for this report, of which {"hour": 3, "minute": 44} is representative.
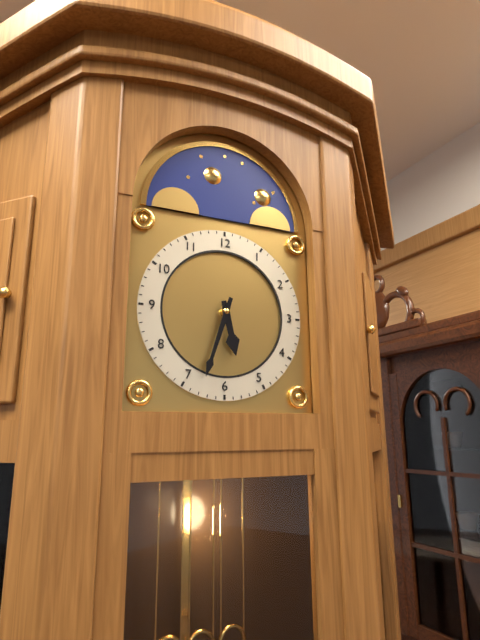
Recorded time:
{"hour": 5, "minute": 33}
